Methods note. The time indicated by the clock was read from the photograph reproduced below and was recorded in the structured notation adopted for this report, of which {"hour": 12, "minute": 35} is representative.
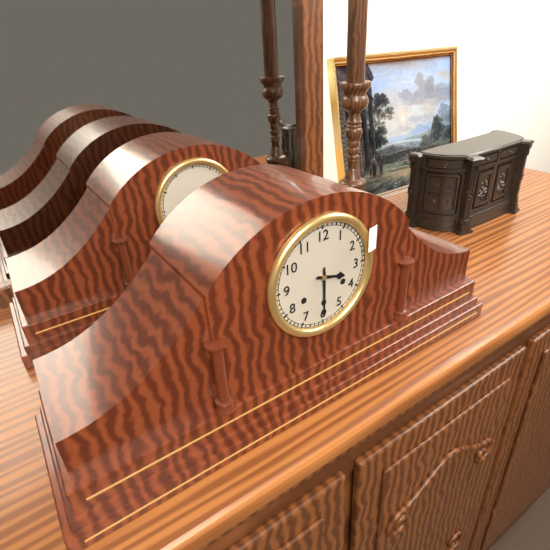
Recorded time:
{"hour": 3, "minute": 30}
